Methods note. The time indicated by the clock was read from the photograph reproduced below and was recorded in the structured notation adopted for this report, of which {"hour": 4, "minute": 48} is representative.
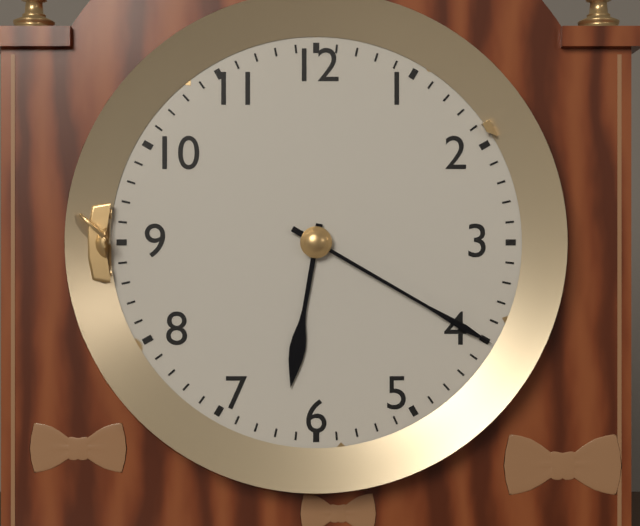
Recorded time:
{"hour": 6, "minute": 20}
